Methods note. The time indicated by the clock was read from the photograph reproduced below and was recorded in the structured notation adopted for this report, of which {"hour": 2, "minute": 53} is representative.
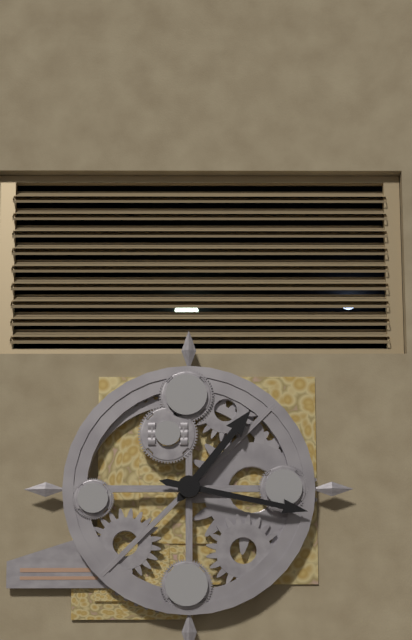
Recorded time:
{"hour": 1, "minute": 17}
